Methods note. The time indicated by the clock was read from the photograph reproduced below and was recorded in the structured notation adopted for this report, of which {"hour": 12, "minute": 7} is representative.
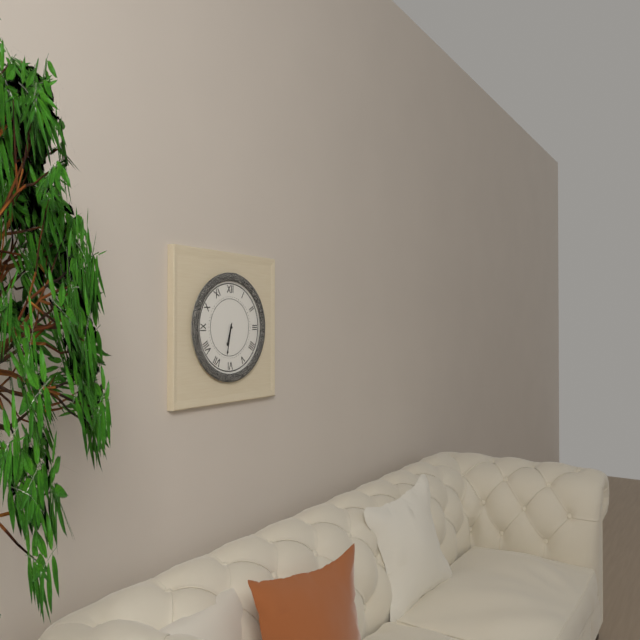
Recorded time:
{"hour": 6, "minute": 32}
